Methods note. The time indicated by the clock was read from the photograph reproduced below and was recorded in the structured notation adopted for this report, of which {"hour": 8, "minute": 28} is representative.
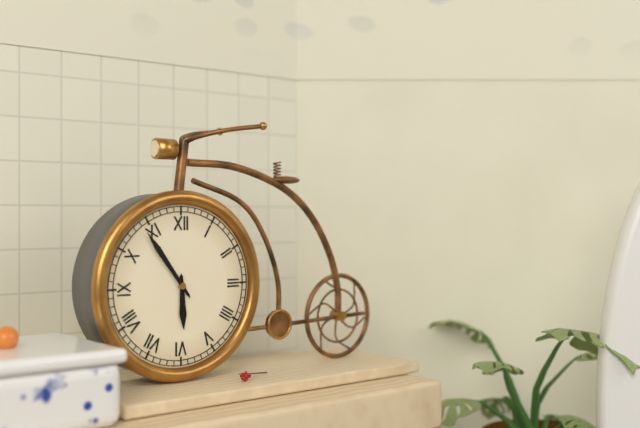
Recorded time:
{"hour": 5, "minute": 54}
